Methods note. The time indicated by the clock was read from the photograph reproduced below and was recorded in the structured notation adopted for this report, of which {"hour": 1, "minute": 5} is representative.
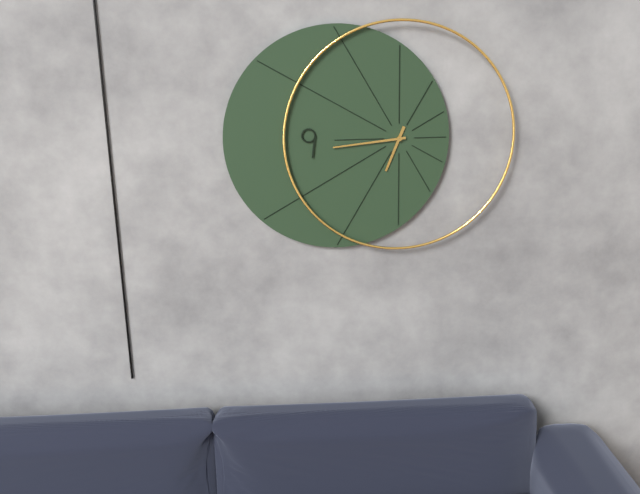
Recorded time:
{"hour": 6, "minute": 44}
